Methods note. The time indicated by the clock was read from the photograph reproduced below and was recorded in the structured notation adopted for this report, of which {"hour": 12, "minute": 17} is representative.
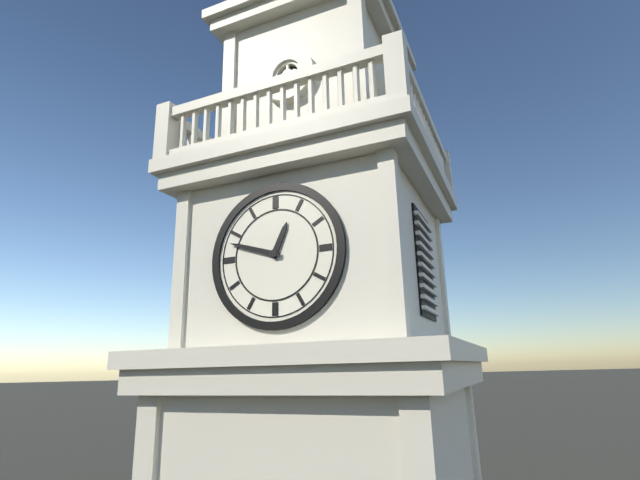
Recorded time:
{"hour": 12, "minute": 48}
